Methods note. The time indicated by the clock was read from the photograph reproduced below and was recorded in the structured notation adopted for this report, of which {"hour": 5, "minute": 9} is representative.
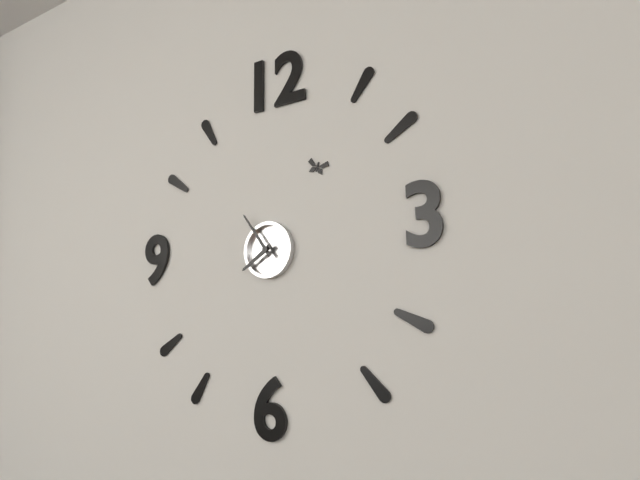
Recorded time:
{"hour": 7, "minute": 54}
